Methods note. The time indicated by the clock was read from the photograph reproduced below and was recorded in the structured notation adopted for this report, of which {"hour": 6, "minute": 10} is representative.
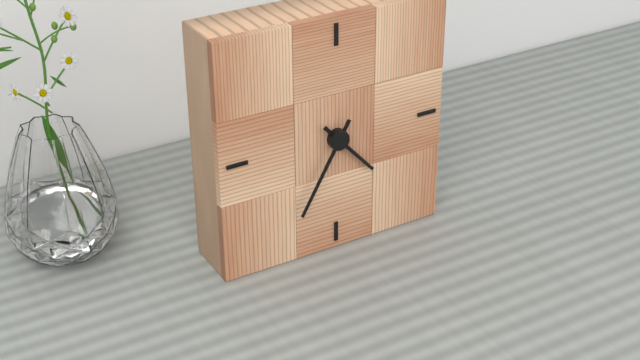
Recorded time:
{"hour": 4, "minute": 35}
